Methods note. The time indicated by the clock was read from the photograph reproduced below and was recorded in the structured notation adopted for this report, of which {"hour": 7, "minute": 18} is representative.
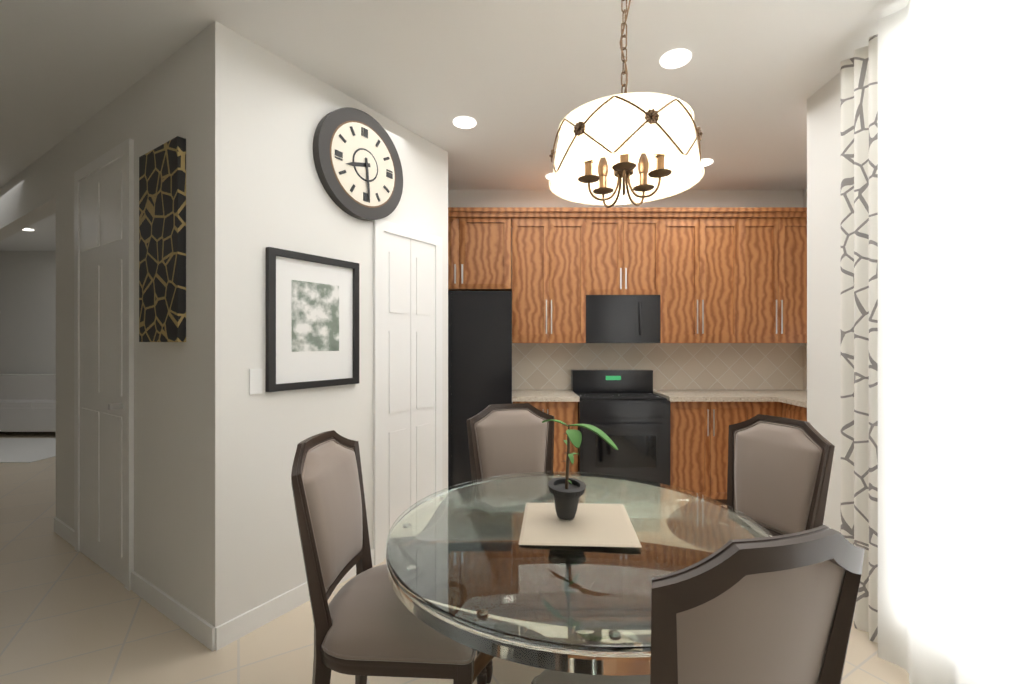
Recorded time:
{"hour": 8, "minute": 29}
